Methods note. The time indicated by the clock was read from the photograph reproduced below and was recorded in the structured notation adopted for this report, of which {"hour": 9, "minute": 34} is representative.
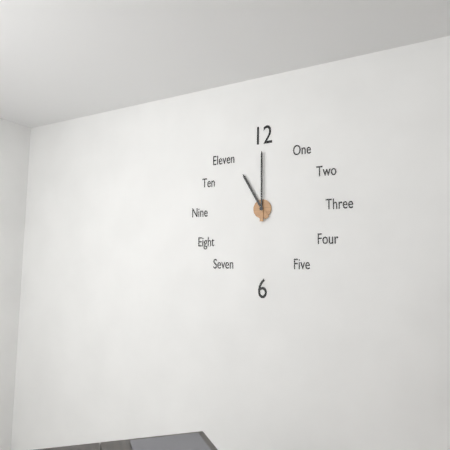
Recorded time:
{"hour": 11, "minute": 0}
